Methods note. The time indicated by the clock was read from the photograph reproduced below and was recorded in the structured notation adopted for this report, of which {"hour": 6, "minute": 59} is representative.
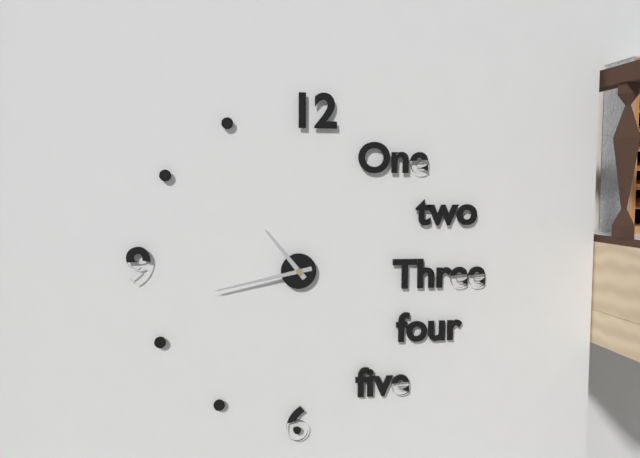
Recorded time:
{"hour": 10, "minute": 43}
